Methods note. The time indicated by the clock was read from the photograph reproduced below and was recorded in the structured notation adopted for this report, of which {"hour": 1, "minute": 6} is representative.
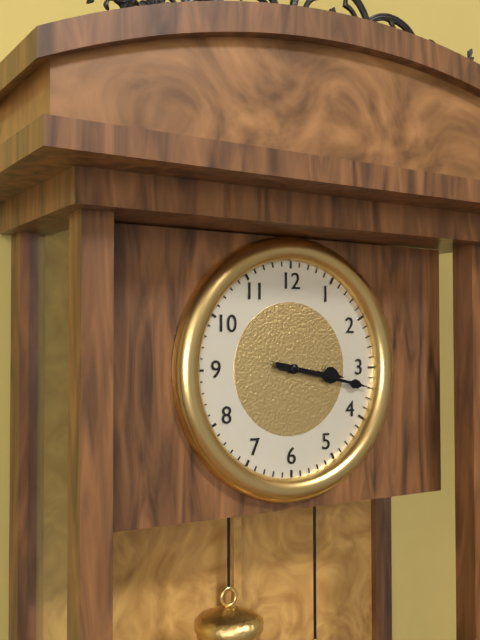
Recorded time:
{"hour": 3, "minute": 17}
